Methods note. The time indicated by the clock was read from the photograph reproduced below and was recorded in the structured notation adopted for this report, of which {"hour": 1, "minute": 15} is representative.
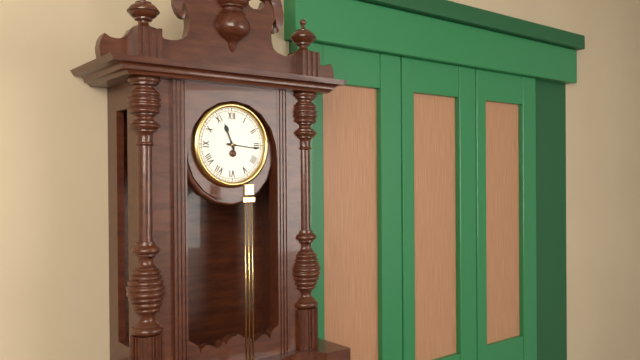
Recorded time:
{"hour": 11, "minute": 16}
